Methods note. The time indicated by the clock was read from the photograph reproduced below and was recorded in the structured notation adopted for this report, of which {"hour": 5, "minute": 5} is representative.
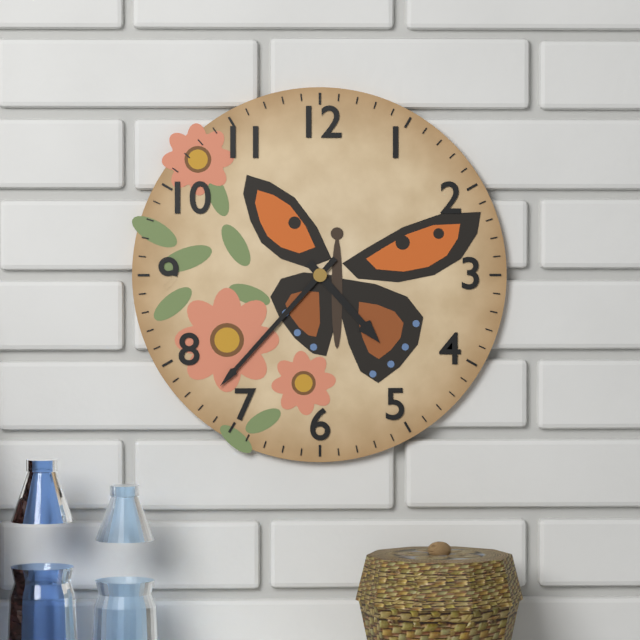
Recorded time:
{"hour": 4, "minute": 37}
